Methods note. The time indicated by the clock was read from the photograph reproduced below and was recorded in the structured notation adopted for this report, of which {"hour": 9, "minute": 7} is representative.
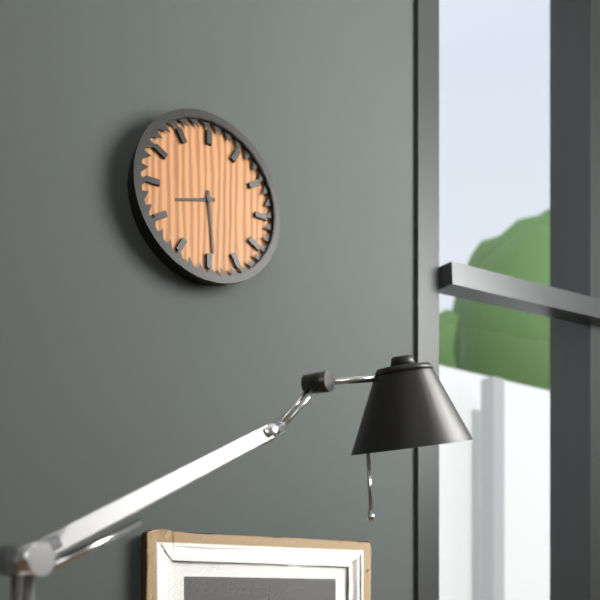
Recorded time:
{"hour": 8, "minute": 29}
